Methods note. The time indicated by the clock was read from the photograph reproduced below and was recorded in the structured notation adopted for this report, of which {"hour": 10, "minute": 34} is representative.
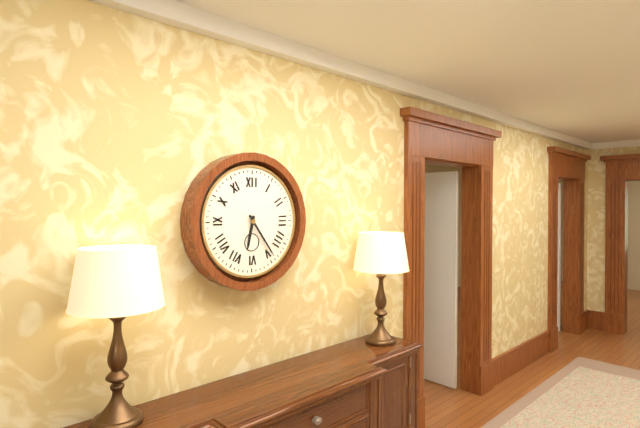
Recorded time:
{"hour": 6, "minute": 24}
